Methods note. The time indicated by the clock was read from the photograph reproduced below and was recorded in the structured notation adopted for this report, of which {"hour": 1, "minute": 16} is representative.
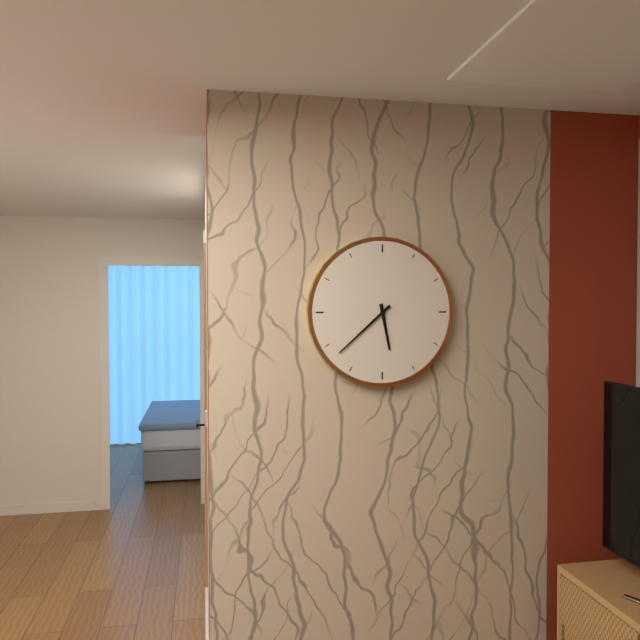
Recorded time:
{"hour": 5, "minute": 38}
